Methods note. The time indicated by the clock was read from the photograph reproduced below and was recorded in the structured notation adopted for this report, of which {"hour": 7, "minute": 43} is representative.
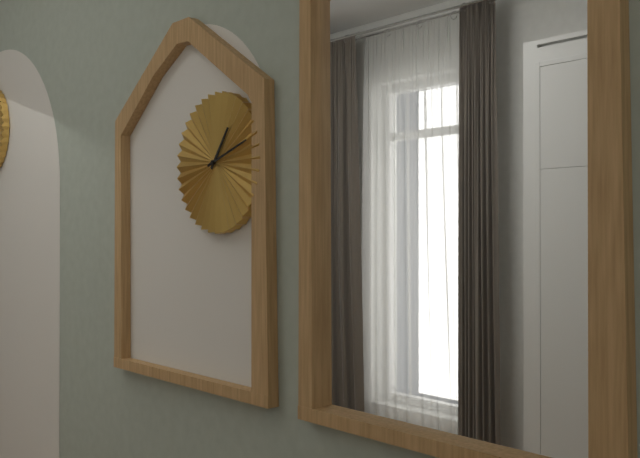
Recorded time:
{"hour": 1, "minute": 12}
